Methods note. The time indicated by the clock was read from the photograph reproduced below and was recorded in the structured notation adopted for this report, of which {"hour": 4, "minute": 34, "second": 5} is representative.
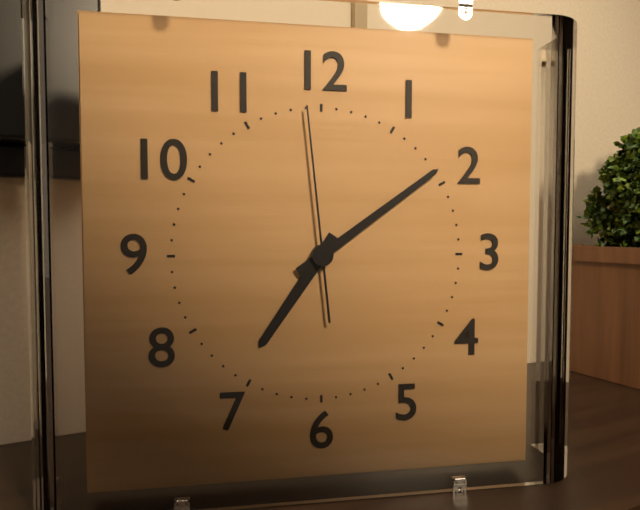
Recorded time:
{"hour": 7, "minute": 9, "second": 59}
